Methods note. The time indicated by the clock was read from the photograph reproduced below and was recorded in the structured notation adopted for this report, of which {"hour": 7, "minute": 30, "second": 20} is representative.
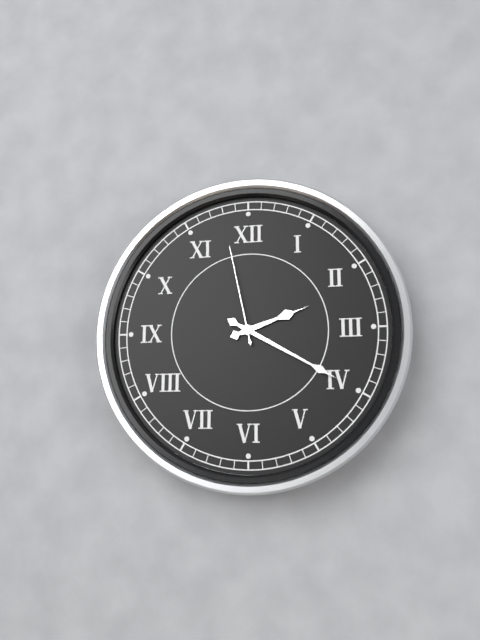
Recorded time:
{"hour": 2, "minute": 20, "second": 58}
